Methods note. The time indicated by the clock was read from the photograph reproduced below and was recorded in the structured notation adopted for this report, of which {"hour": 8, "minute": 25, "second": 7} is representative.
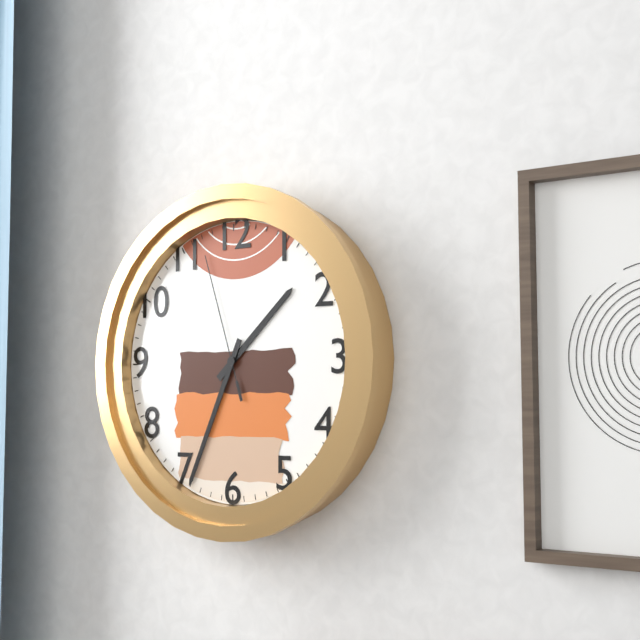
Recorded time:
{"hour": 1, "minute": 34, "second": 57}
